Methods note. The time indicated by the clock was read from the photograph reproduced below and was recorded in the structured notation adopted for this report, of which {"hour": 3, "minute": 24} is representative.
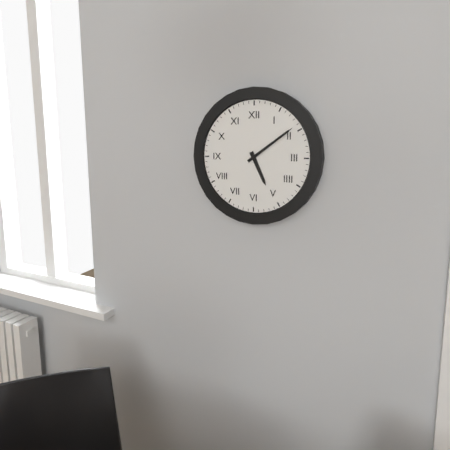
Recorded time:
{"hour": 5, "minute": 9}
